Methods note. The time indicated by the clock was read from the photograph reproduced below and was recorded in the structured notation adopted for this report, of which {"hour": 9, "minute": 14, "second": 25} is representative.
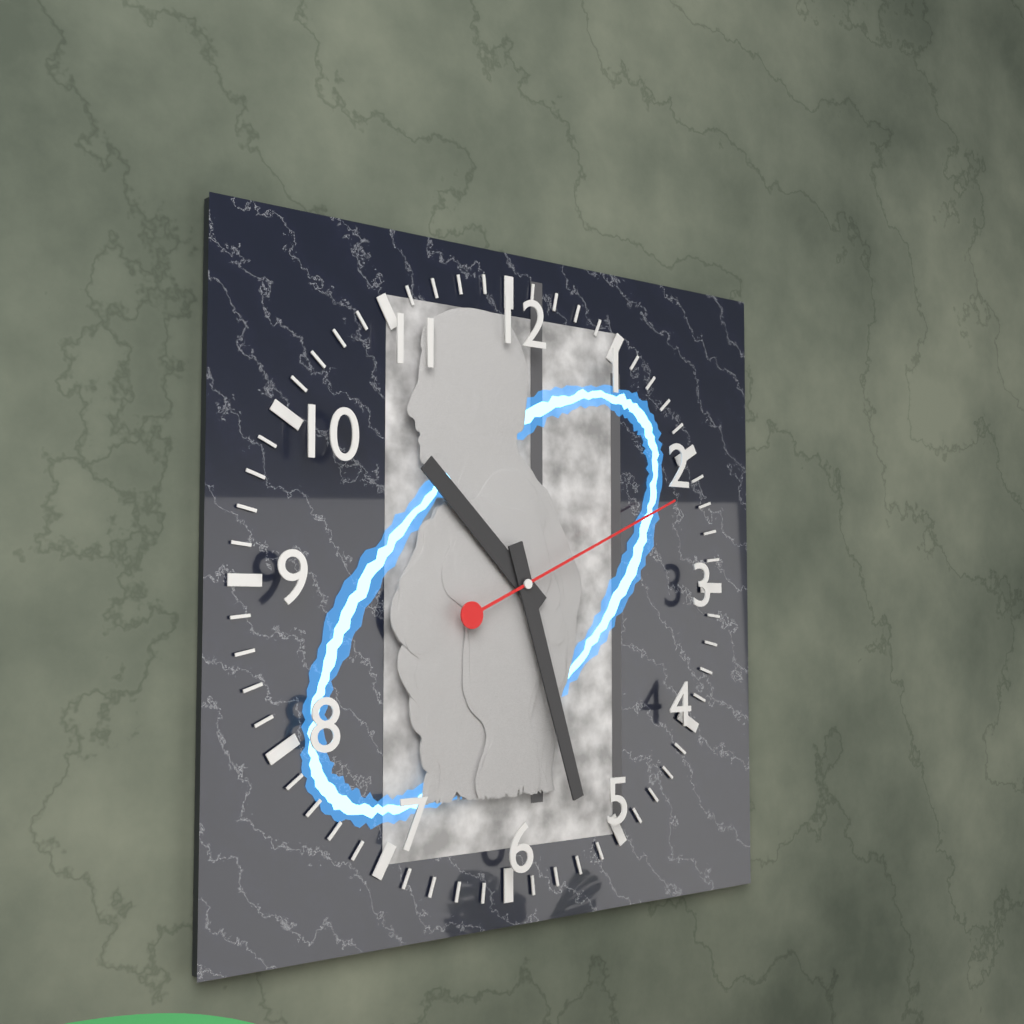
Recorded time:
{"hour": 10, "minute": 27, "second": 11}
